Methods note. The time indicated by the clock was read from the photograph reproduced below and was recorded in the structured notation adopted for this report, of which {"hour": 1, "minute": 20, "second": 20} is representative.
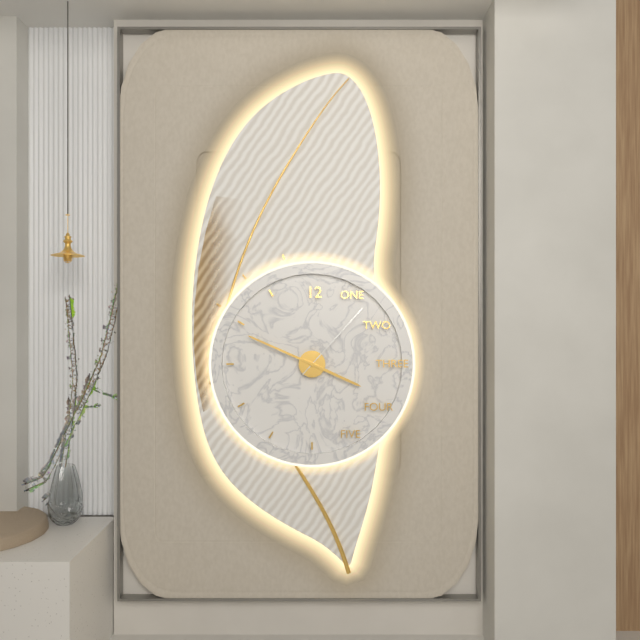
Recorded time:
{"hour": 3, "minute": 49, "second": 7}
